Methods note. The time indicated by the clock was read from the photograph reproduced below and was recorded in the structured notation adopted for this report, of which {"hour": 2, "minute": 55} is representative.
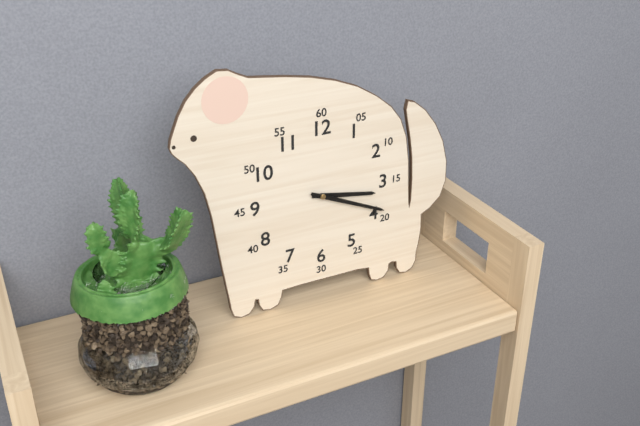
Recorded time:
{"hour": 3, "minute": 19}
